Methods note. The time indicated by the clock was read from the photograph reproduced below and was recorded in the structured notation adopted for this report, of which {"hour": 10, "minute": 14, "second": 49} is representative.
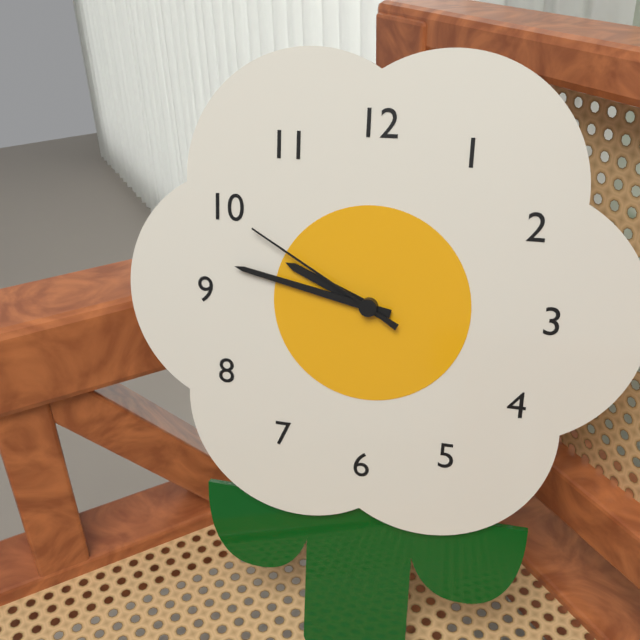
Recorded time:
{"hour": 9, "minute": 47, "second": 50}
